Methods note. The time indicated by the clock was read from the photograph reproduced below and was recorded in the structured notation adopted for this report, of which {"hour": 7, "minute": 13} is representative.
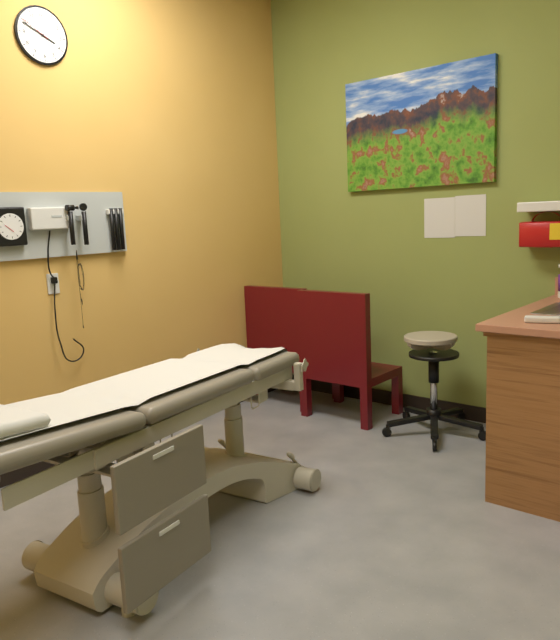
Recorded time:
{"hour": 3, "minute": 49}
